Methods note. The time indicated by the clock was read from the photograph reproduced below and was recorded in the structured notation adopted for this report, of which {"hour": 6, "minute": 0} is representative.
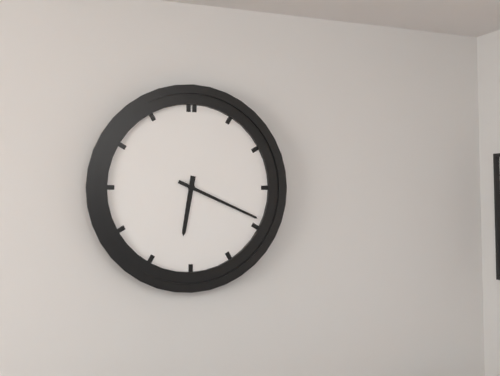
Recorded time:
{"hour": 6, "minute": 19}
